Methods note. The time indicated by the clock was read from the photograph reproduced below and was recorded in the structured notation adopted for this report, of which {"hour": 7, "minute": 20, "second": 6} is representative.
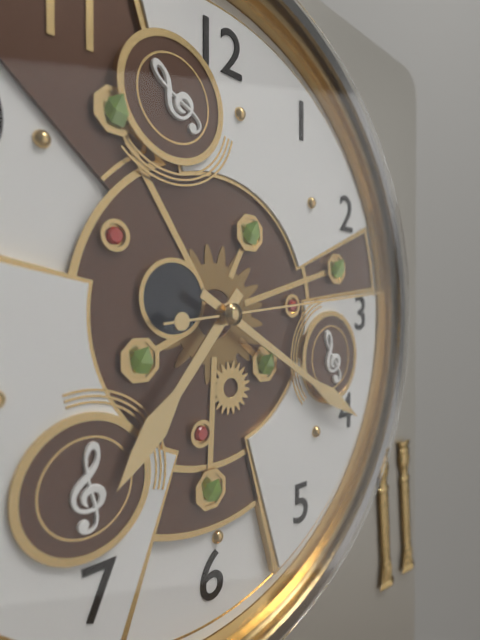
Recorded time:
{"hour": 7, "minute": 20, "second": 14}
